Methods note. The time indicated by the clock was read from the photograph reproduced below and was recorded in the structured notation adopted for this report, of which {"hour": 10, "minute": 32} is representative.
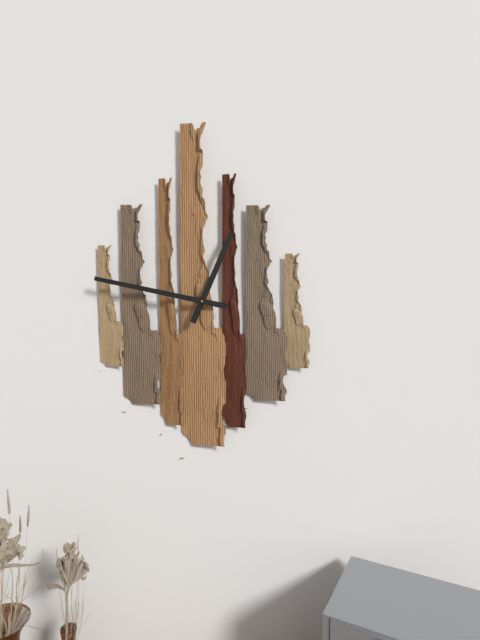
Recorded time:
{"hour": 12, "minute": 47}
